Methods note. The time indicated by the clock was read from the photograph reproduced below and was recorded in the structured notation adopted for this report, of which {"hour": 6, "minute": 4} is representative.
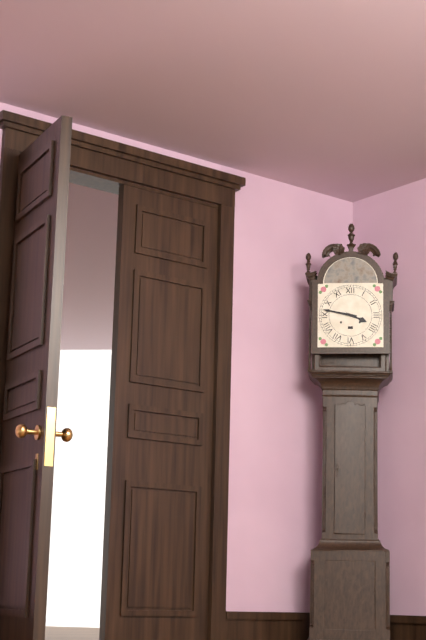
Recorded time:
{"hour": 3, "minute": 47}
